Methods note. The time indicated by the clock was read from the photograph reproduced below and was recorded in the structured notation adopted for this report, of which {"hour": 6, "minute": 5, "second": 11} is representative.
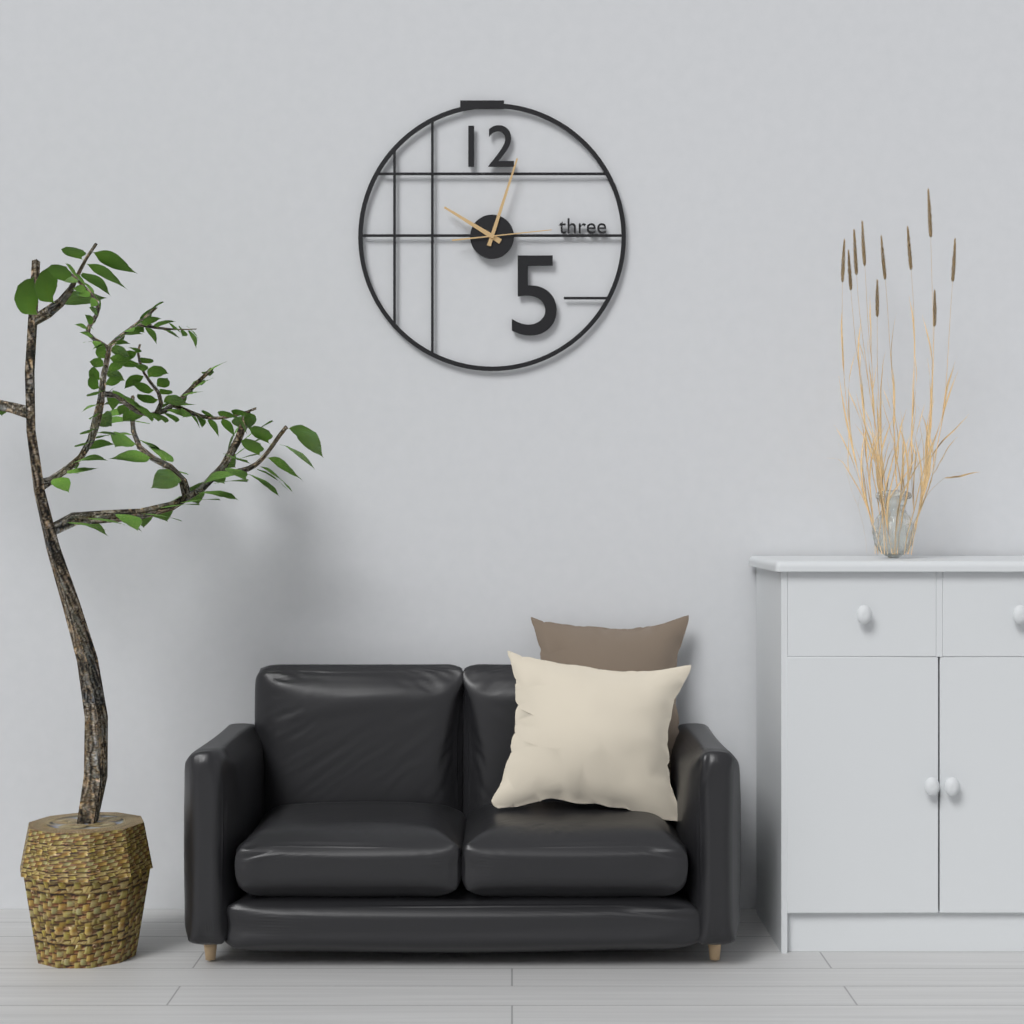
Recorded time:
{"hour": 10, "minute": 3, "second": 14}
